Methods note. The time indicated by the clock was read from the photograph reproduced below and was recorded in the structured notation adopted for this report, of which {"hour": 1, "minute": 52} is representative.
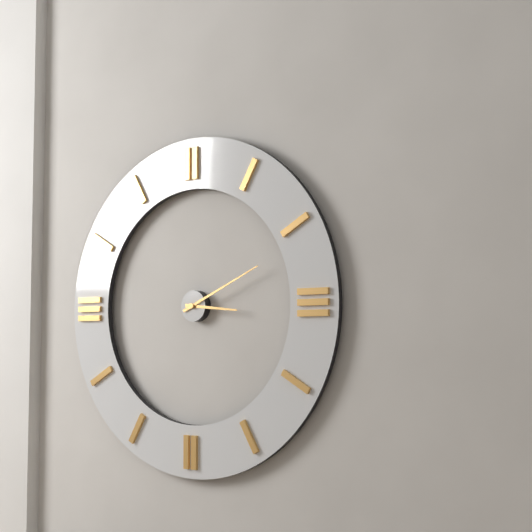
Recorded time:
{"hour": 3, "minute": 11}
